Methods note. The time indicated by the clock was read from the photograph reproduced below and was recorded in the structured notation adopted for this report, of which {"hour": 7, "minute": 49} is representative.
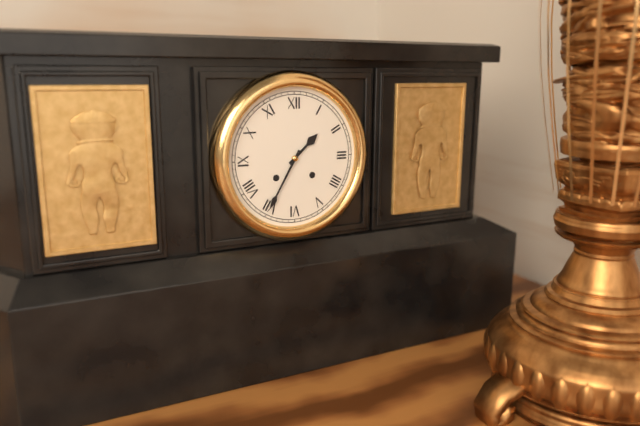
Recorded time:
{"hour": 1, "minute": 35}
